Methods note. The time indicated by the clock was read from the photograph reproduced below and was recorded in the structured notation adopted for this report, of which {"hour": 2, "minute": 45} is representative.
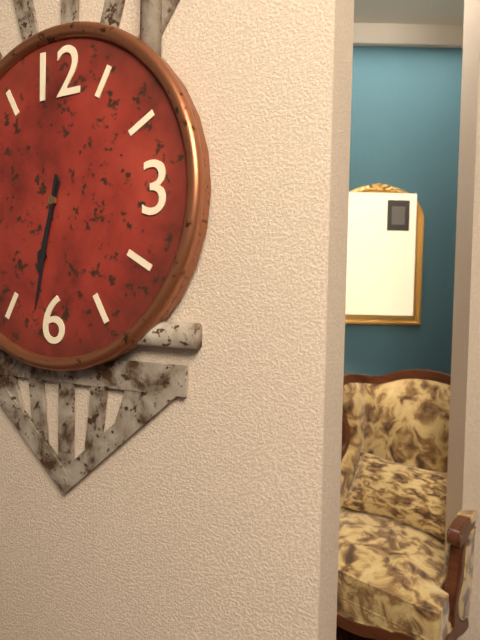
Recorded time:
{"hour": 6, "minute": 32}
